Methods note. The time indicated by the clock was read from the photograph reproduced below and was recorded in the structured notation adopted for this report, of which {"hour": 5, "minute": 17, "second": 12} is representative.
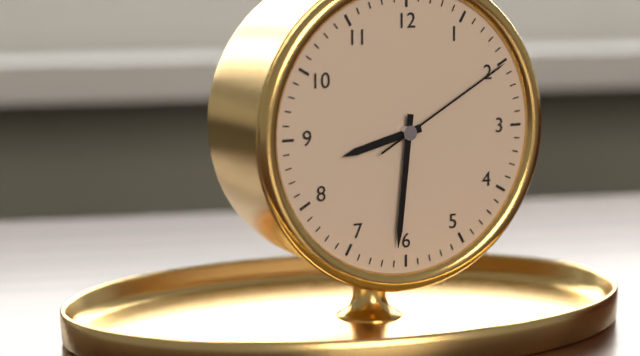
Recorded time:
{"hour": 8, "minute": 31, "second": 10}
